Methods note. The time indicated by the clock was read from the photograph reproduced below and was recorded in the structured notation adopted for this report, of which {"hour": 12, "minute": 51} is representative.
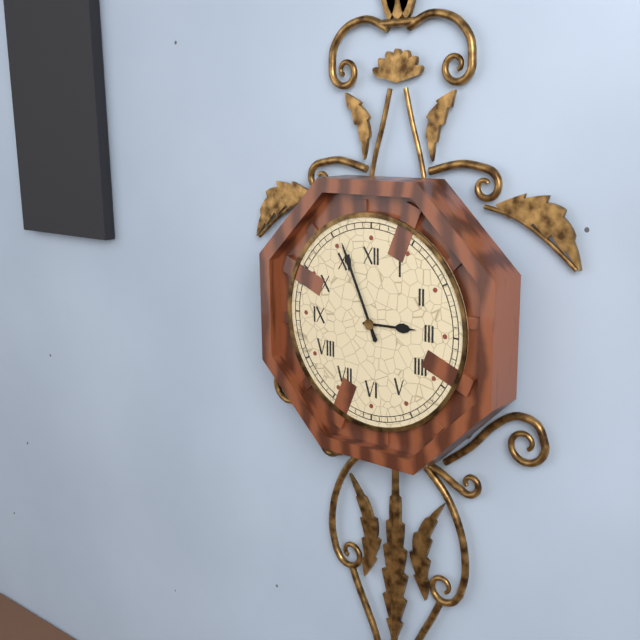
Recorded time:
{"hour": 2, "minute": 56}
